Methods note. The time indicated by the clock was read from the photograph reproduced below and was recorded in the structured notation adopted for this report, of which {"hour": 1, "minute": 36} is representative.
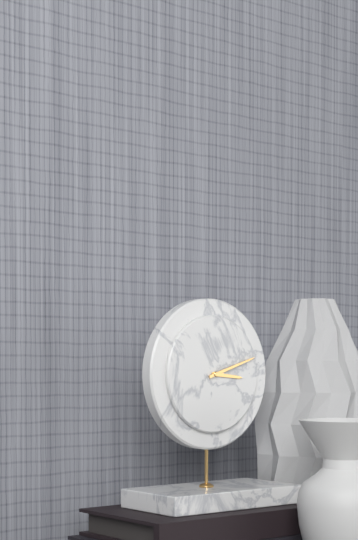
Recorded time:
{"hour": 3, "minute": 12}
